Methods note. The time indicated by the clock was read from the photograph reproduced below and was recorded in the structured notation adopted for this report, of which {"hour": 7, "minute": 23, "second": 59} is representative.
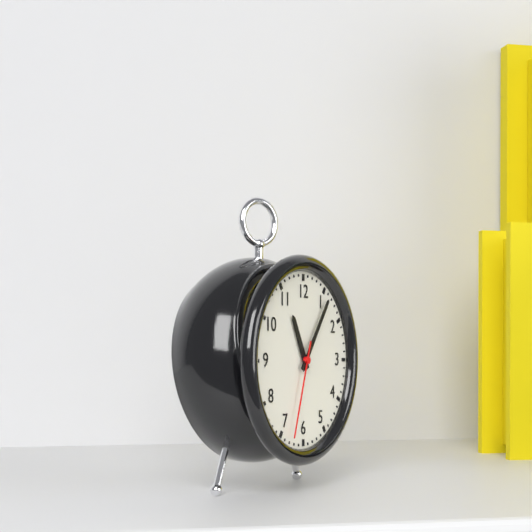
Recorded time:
{"hour": 11, "minute": 6, "second": 33}
